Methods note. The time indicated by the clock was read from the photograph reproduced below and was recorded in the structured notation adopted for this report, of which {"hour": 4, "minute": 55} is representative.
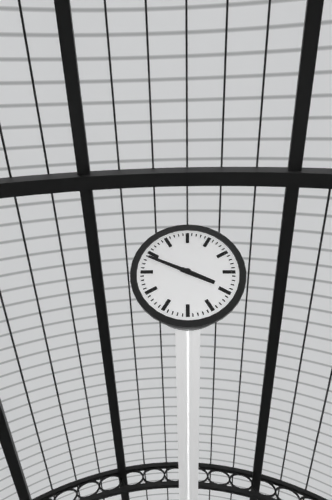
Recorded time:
{"hour": 3, "minute": 49}
